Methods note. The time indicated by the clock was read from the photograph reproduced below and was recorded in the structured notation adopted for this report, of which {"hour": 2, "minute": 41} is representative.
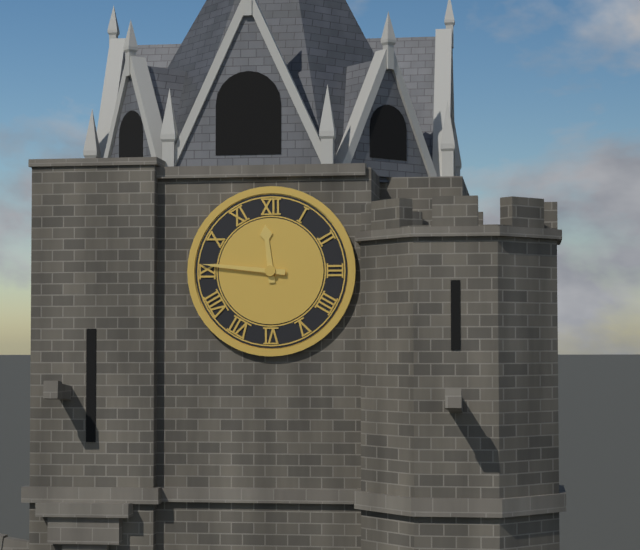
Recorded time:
{"hour": 11, "minute": 46}
